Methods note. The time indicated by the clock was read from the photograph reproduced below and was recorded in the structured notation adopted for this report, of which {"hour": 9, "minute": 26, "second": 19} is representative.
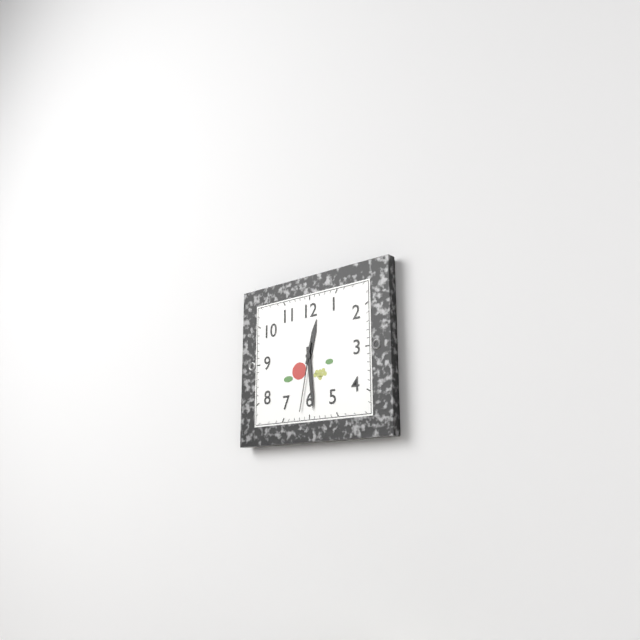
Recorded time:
{"hour": 12, "minute": 29, "second": 32}
